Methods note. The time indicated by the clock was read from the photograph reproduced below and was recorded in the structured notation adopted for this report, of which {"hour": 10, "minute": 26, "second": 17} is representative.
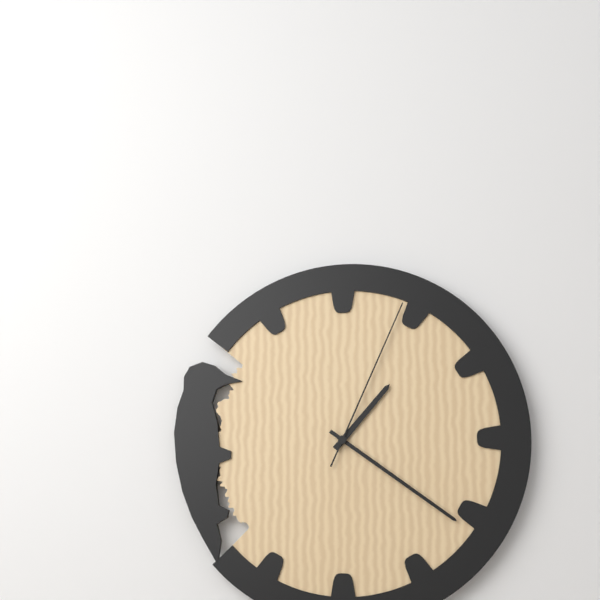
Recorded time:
{"hour": 1, "minute": 21, "second": 4}
